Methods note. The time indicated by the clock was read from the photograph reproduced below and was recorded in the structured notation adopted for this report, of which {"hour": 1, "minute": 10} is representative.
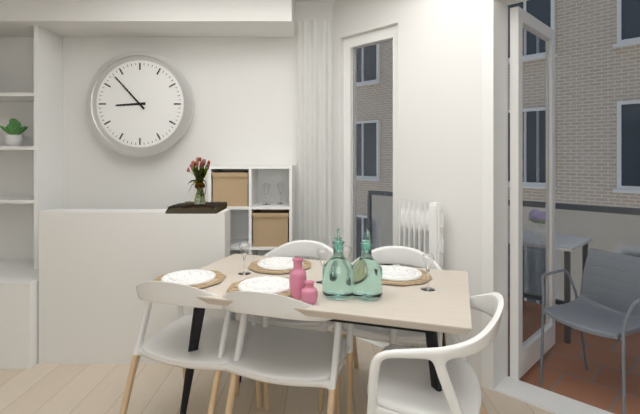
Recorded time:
{"hour": 8, "minute": 53}
